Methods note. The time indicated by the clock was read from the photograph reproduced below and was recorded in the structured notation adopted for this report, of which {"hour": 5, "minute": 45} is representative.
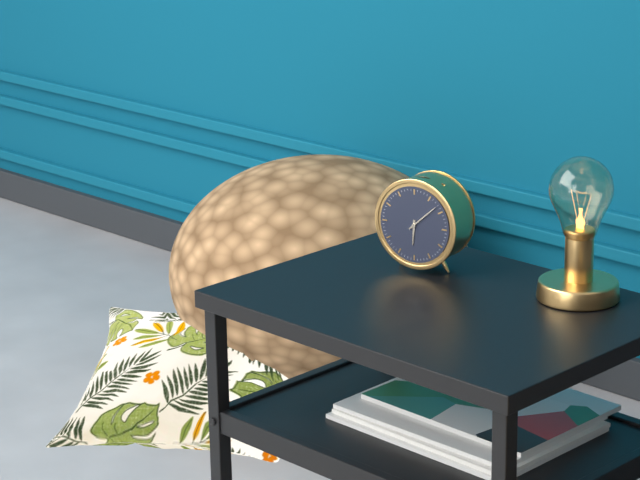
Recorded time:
{"hour": 6, "minute": 8}
